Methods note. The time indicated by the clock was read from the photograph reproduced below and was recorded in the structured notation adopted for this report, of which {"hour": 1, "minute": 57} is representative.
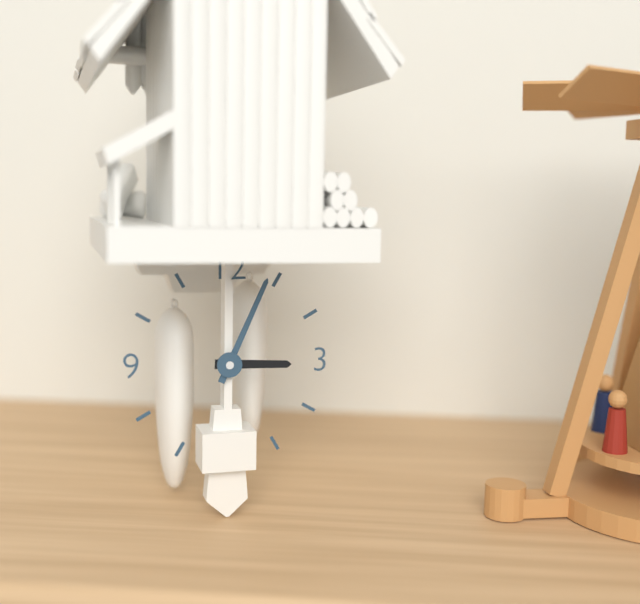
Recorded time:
{"hour": 3, "minute": 4}
